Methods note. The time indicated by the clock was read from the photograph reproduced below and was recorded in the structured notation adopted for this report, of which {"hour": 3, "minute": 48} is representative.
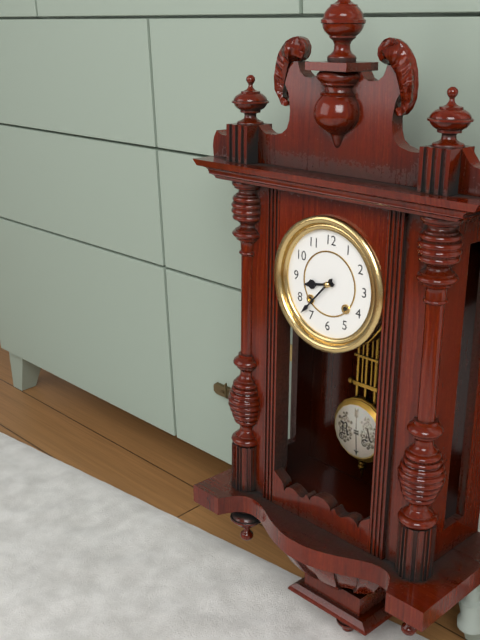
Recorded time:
{"hour": 8, "minute": 37}
